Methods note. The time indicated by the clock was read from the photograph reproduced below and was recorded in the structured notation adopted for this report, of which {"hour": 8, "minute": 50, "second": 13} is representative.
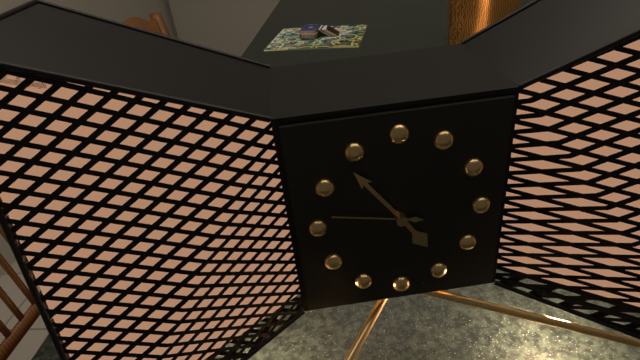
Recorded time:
{"hour": 4, "minute": 54, "second": 47}
